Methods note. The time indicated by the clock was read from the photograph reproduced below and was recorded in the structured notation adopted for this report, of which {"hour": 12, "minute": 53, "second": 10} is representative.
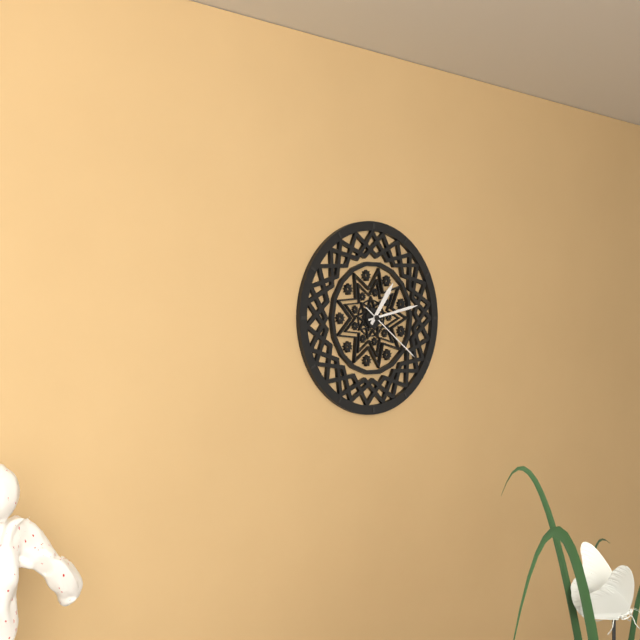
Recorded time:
{"hour": 1, "minute": 13, "second": 21}
